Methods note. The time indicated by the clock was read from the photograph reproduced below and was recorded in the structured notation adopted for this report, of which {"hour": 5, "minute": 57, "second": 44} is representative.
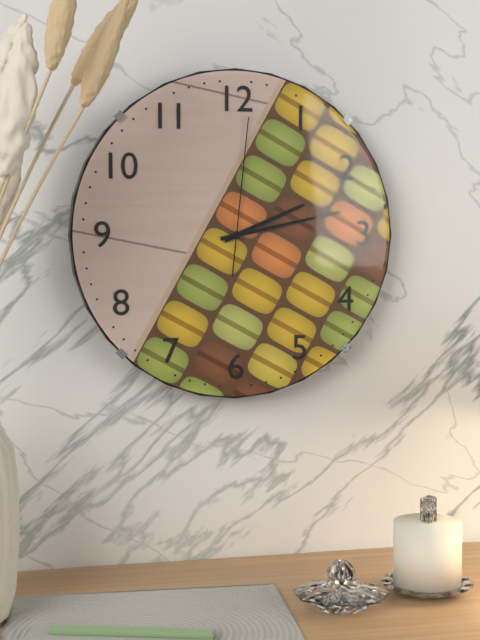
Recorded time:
{"hour": 2, "minute": 13, "second": 1}
